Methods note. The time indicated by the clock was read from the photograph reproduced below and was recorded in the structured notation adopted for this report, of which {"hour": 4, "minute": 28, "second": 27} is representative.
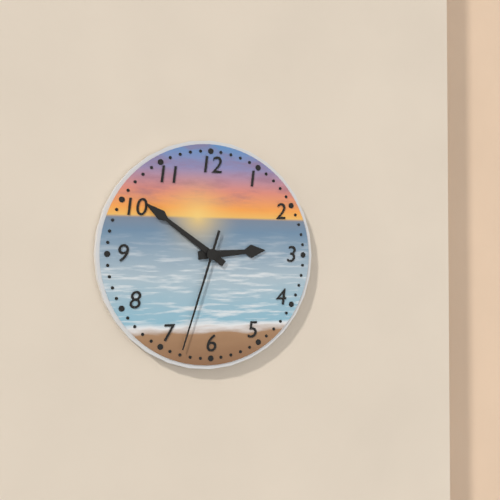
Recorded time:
{"hour": 2, "minute": 51, "second": 33}
